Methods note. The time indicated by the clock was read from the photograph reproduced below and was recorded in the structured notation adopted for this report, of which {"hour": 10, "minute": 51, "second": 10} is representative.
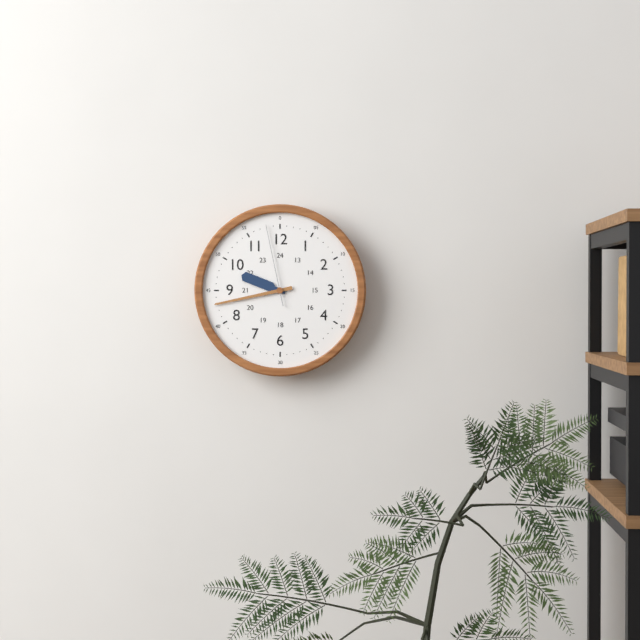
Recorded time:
{"hour": 9, "minute": 43, "second": 58}
